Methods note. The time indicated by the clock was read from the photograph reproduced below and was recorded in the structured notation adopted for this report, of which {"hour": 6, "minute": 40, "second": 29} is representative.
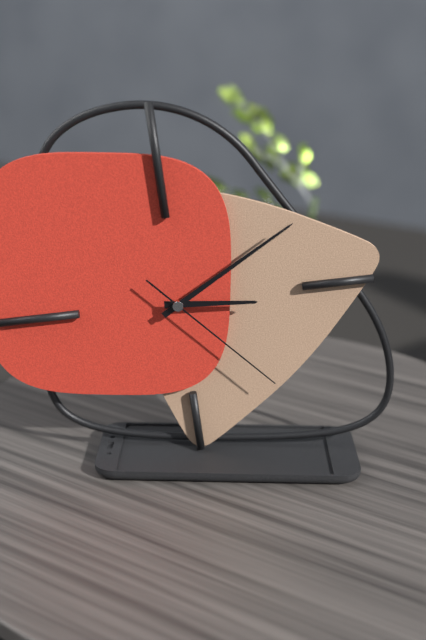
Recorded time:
{"hour": 3, "minute": 10, "second": 23}
